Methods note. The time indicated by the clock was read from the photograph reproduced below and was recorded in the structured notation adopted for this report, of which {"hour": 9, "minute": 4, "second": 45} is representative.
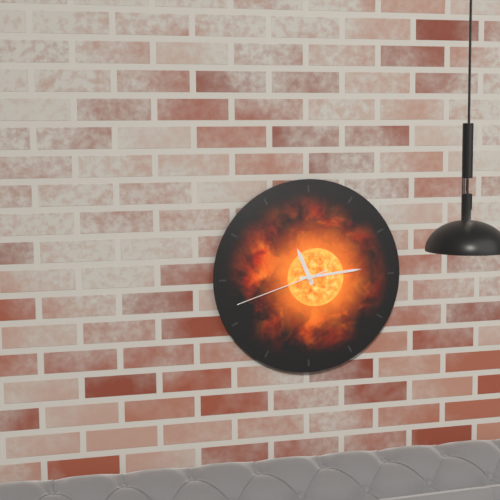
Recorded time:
{"hour": 11, "minute": 14, "second": 42}
